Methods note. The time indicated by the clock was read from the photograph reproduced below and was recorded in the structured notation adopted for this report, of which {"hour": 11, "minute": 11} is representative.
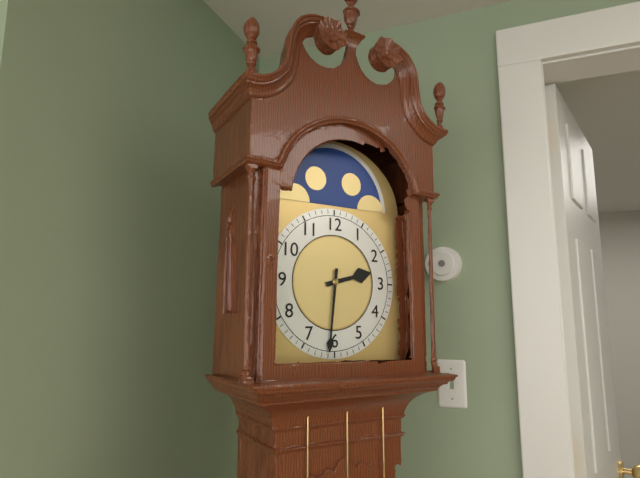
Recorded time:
{"hour": 2, "minute": 31}
